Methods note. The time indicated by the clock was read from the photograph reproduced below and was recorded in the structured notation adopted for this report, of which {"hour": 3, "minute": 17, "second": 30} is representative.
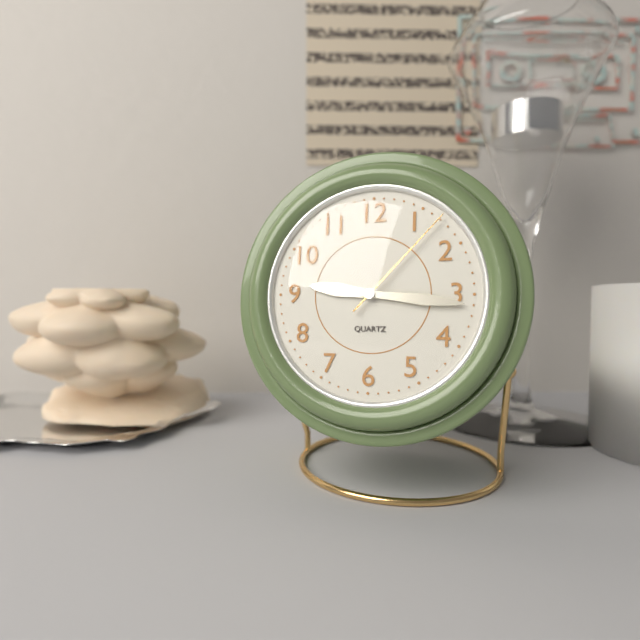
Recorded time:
{"hour": 9, "minute": 16, "second": 7}
